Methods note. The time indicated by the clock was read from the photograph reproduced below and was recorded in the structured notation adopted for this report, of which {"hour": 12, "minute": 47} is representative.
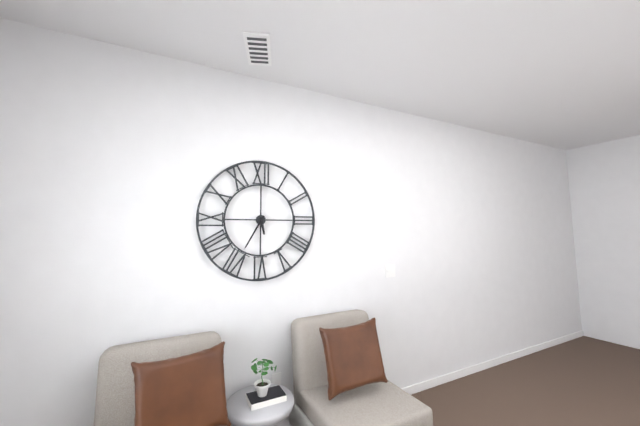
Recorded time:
{"hour": 5, "minute": 35}
